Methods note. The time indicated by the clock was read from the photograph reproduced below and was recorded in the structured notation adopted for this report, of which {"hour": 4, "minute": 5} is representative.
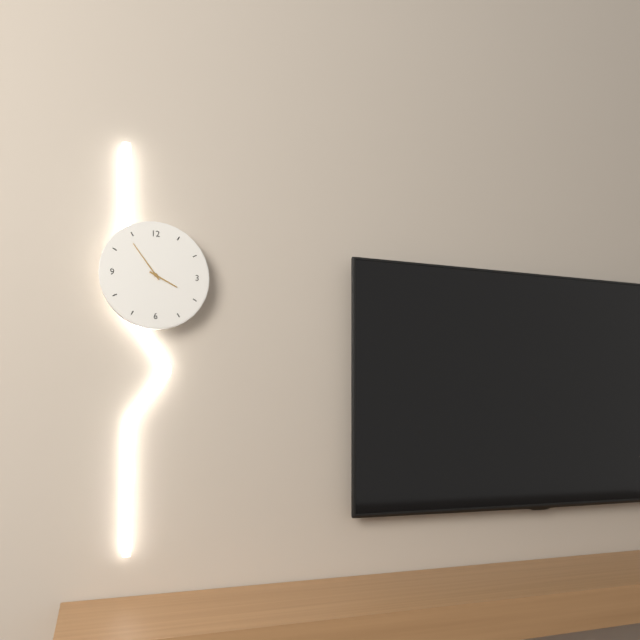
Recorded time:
{"hour": 3, "minute": 54}
